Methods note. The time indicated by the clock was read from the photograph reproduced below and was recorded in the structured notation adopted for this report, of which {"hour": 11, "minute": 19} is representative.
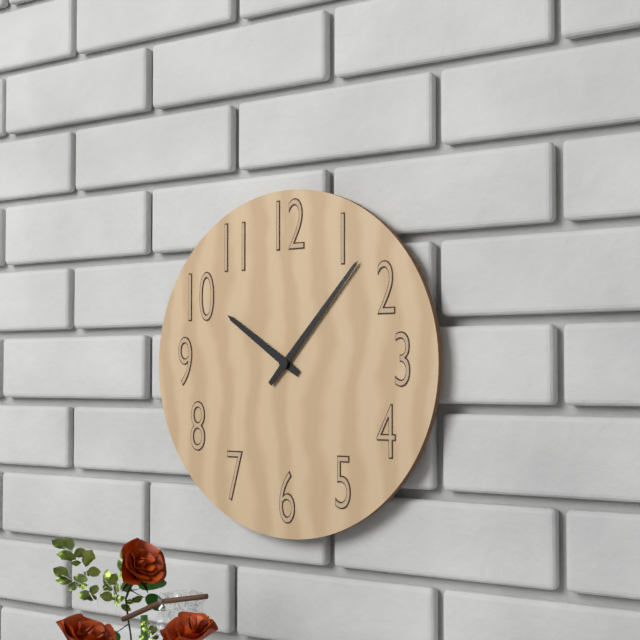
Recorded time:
{"hour": 10, "minute": 7}
